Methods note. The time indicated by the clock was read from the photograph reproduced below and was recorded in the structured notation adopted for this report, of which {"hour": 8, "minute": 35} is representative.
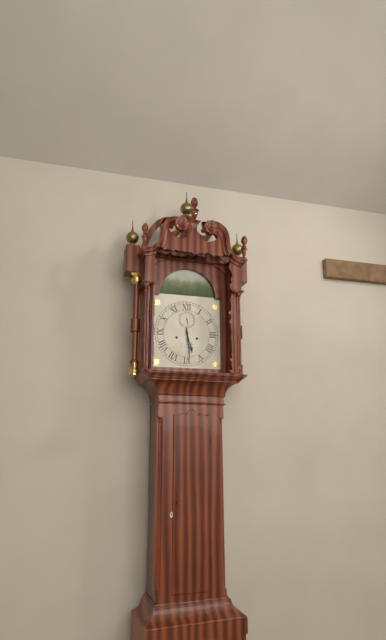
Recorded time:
{"hour": 5, "minute": 29}
